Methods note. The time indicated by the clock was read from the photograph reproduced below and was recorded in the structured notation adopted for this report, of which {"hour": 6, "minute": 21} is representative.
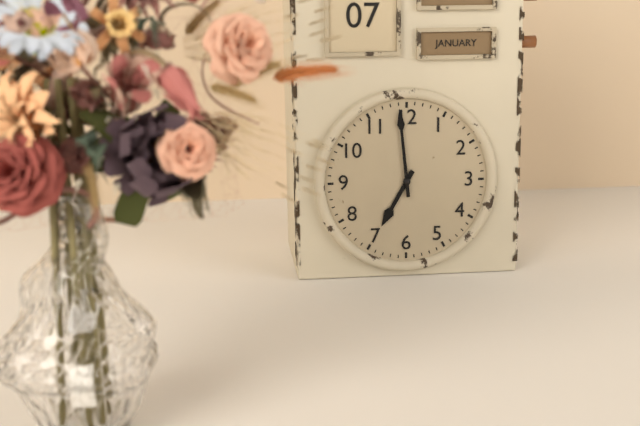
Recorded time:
{"hour": 6, "minute": 59}
